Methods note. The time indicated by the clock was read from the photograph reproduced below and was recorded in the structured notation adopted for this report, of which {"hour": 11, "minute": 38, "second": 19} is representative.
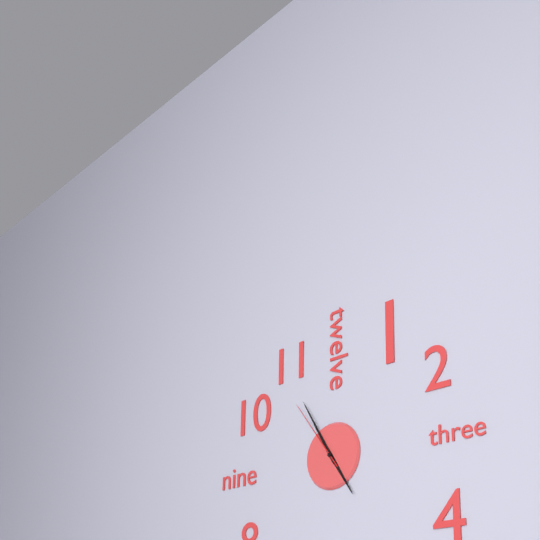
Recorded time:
{"hour": 4, "minute": 55, "second": 54}
